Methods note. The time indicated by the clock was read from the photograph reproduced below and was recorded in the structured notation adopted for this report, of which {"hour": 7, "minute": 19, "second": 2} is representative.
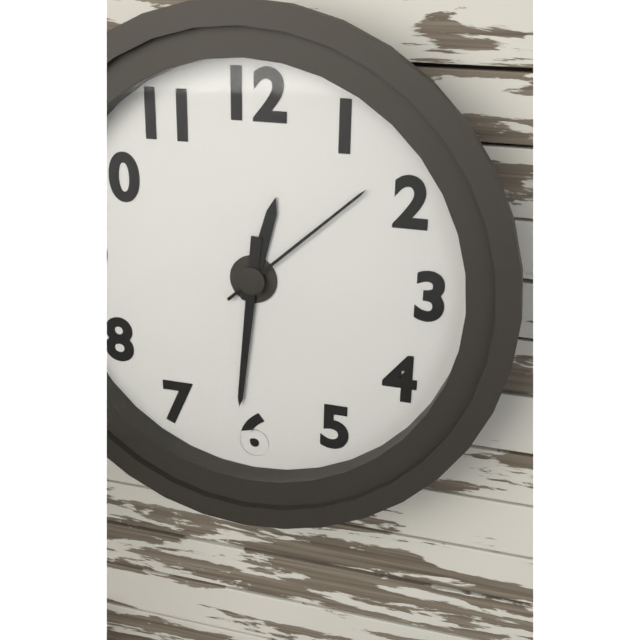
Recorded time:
{"hour": 12, "minute": 31, "second": 8}
